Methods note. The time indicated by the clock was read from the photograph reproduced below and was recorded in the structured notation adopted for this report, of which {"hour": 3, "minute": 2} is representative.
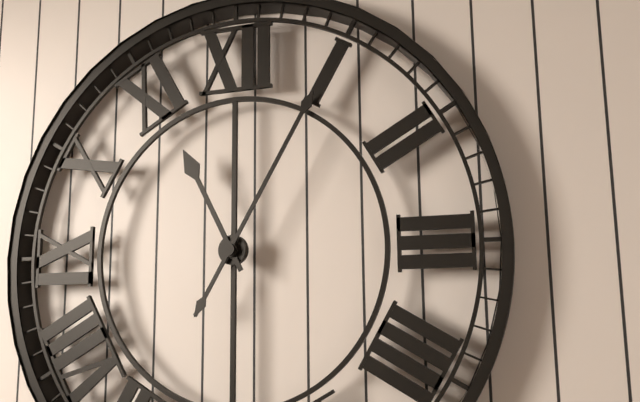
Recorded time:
{"hour": 11, "minute": 5}
